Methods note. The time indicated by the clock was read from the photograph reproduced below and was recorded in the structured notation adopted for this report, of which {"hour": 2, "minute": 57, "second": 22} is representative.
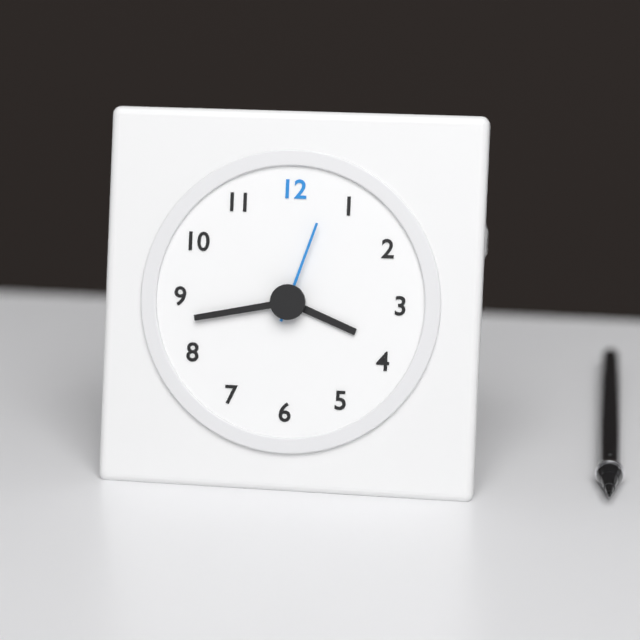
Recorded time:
{"hour": 3, "minute": 43, "second": 3}
